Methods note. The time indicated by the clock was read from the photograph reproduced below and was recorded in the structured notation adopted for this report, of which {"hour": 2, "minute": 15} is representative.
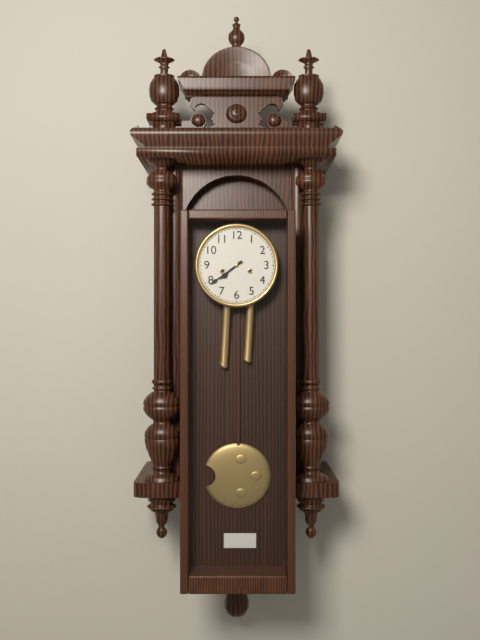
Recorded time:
{"hour": 7, "minute": 39}
